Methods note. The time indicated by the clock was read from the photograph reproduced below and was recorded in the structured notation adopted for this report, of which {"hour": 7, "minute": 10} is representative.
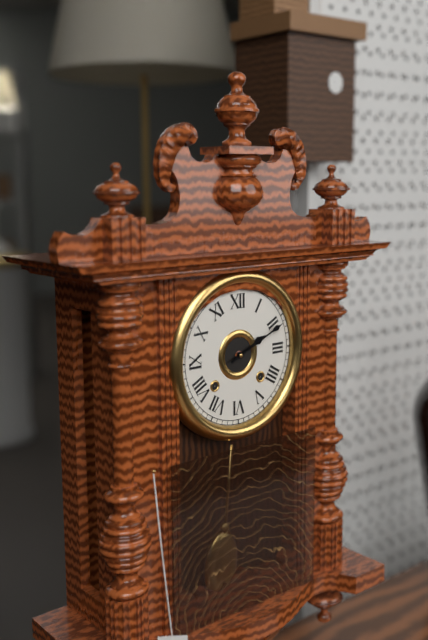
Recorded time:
{"hour": 2, "minute": 11}
